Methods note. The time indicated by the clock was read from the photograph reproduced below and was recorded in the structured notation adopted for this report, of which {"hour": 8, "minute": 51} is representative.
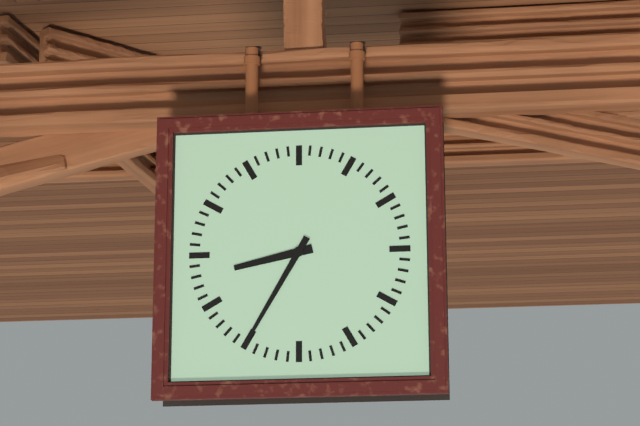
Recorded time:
{"hour": 8, "minute": 35}
